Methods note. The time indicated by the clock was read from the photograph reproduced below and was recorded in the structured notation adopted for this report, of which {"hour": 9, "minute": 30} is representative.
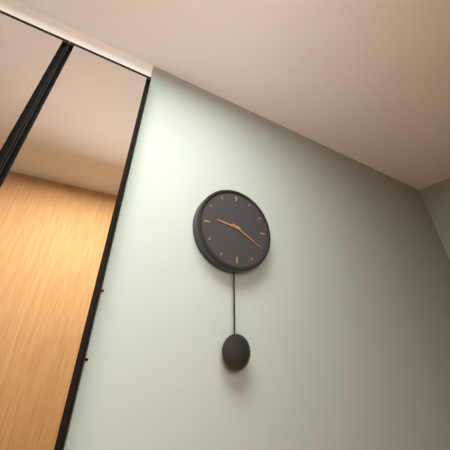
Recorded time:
{"hour": 9, "minute": 20}
